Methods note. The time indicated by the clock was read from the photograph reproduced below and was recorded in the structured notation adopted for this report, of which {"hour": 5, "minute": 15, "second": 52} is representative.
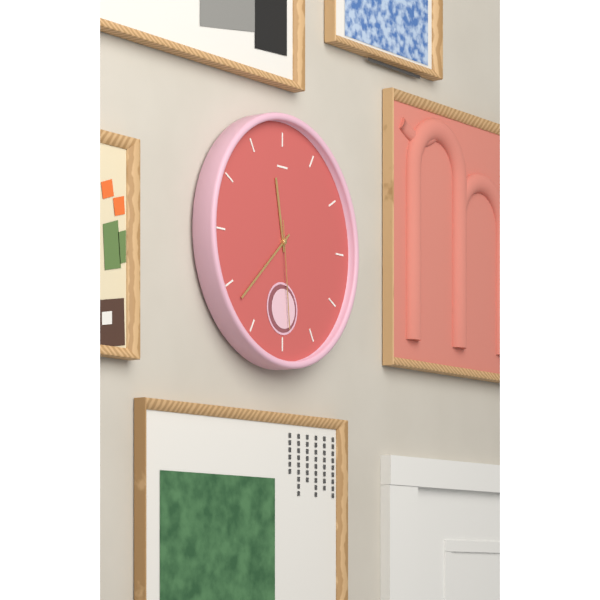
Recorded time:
{"hour": 11, "minute": 38, "second": 29}
